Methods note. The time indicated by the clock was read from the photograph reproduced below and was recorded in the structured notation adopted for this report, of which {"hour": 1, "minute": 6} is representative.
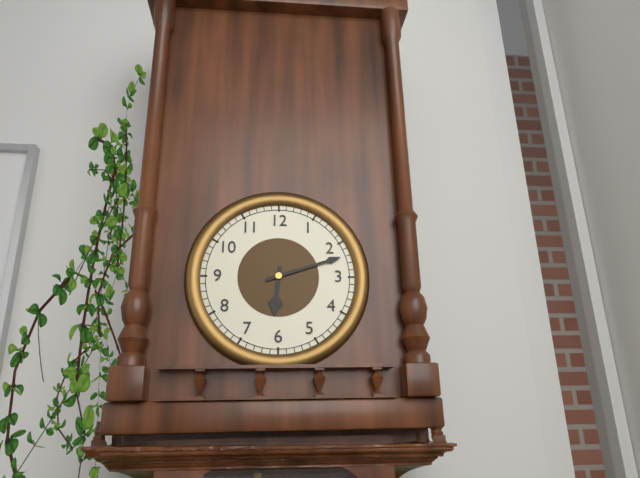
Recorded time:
{"hour": 6, "minute": 12}
